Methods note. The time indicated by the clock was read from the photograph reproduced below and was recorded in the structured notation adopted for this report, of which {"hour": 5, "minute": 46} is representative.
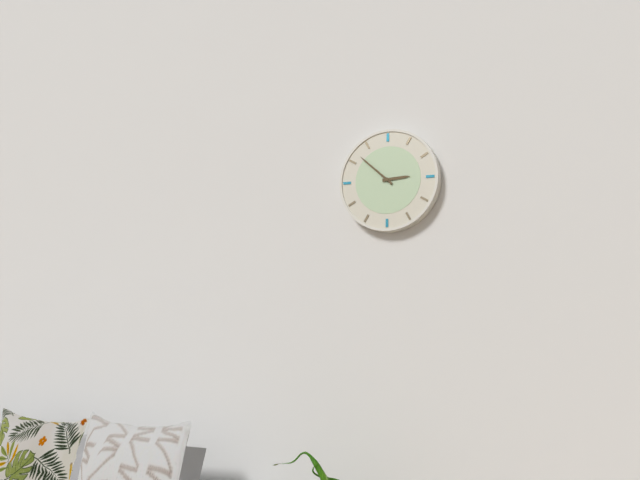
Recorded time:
{"hour": 2, "minute": 52}
